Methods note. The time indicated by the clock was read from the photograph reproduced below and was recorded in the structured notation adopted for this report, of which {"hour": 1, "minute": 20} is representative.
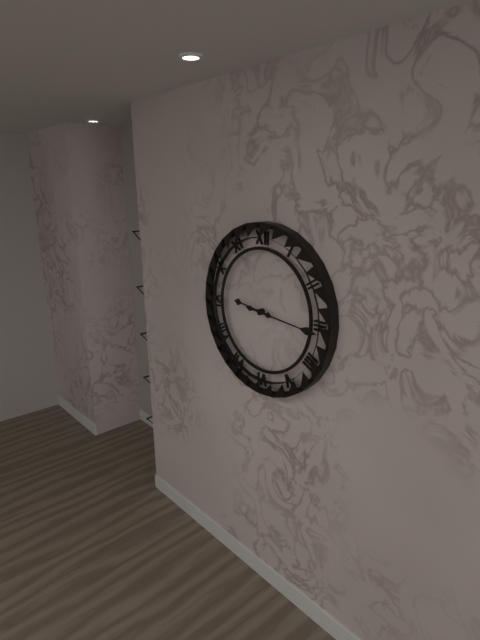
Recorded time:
{"hour": 9, "minute": 16}
